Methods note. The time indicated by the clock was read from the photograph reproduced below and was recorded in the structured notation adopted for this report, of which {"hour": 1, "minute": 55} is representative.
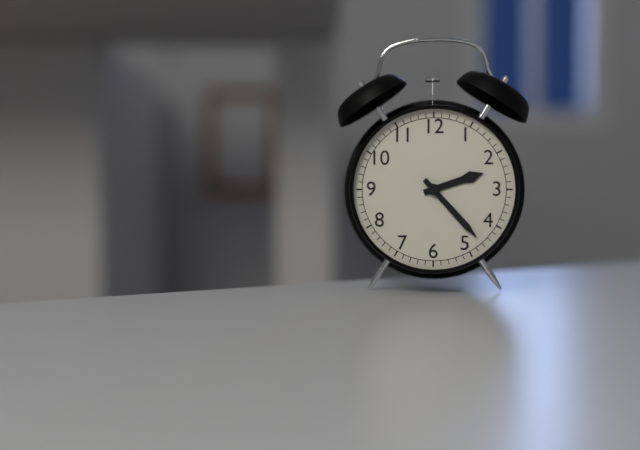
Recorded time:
{"hour": 2, "minute": 23}
